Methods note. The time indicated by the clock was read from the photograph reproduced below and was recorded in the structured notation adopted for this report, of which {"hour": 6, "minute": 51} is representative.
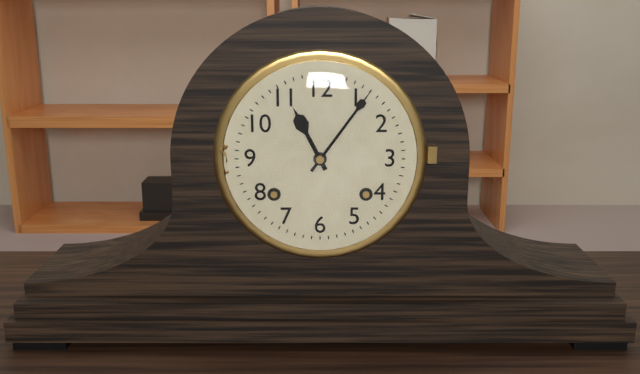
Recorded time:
{"hour": 11, "minute": 6}
